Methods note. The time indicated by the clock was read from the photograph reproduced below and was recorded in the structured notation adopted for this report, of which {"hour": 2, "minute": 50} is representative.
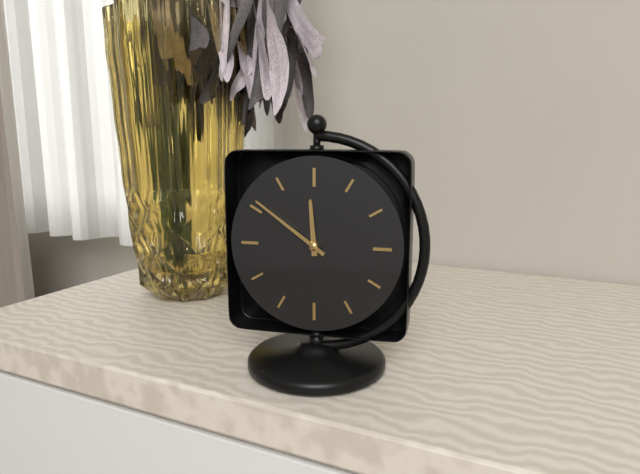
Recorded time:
{"hour": 11, "minute": 51}
